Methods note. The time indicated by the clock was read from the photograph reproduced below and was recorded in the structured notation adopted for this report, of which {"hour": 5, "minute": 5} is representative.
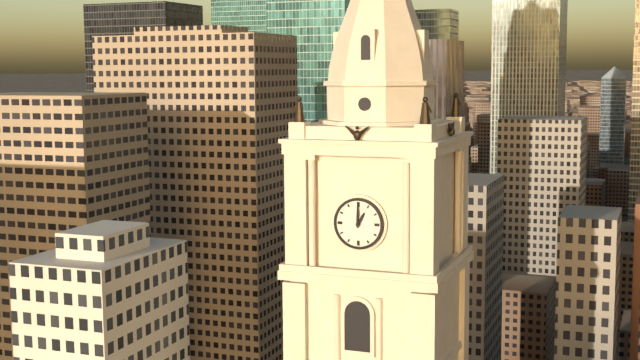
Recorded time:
{"hour": 1, "minute": 0}
